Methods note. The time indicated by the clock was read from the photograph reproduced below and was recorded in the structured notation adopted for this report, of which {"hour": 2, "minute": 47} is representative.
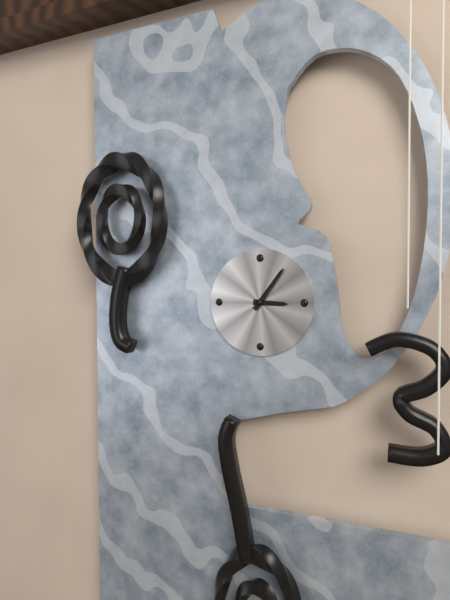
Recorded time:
{"hour": 3, "minute": 6}
